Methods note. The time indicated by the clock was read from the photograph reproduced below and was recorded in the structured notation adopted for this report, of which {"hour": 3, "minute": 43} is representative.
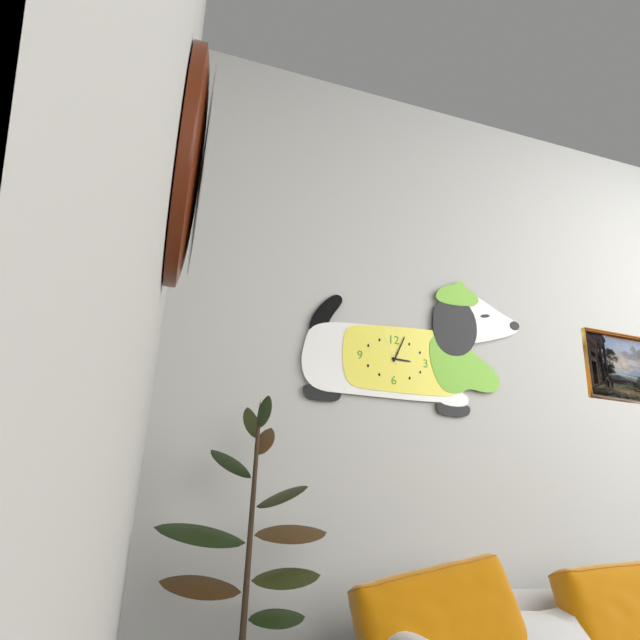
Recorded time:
{"hour": 3, "minute": 4}
